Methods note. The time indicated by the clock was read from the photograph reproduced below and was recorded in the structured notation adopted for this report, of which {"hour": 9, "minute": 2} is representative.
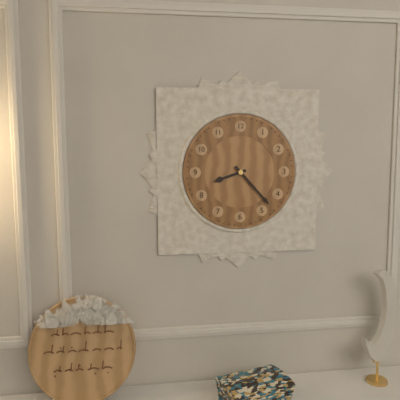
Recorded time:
{"hour": 8, "minute": 23}
